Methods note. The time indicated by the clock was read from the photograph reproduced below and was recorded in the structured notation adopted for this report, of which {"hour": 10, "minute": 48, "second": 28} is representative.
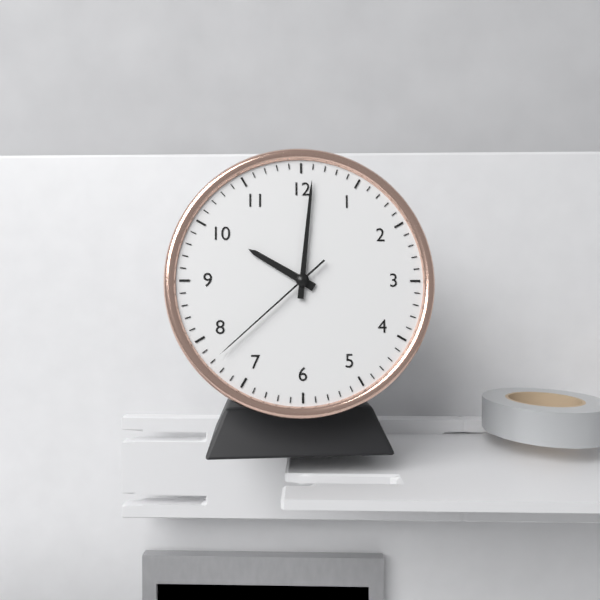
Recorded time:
{"hour": 10, "minute": 1, "second": 38}
